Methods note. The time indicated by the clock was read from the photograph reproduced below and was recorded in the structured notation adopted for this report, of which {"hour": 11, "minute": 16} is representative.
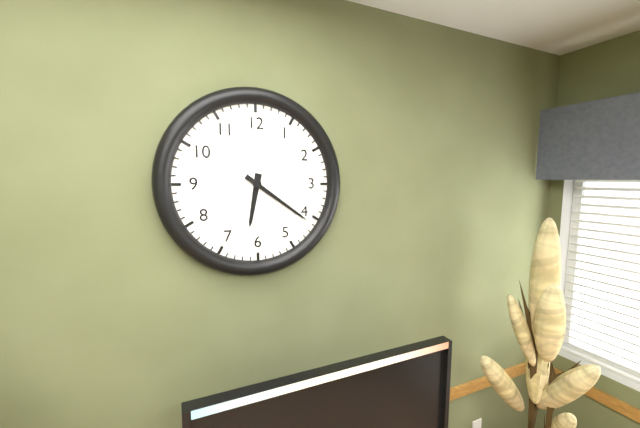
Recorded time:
{"hour": 6, "minute": 21}
